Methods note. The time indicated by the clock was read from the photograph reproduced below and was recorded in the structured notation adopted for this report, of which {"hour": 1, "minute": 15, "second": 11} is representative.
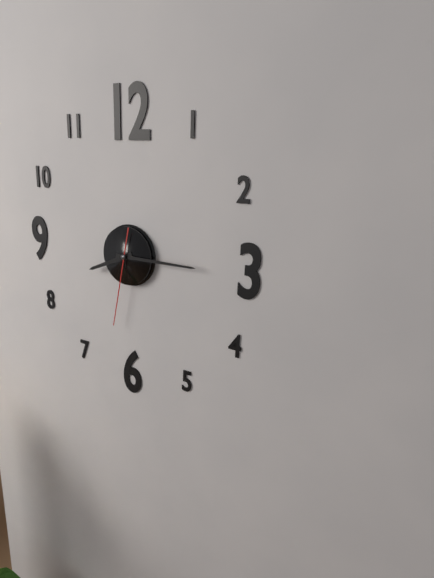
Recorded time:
{"hour": 8, "minute": 15, "second": 32}
